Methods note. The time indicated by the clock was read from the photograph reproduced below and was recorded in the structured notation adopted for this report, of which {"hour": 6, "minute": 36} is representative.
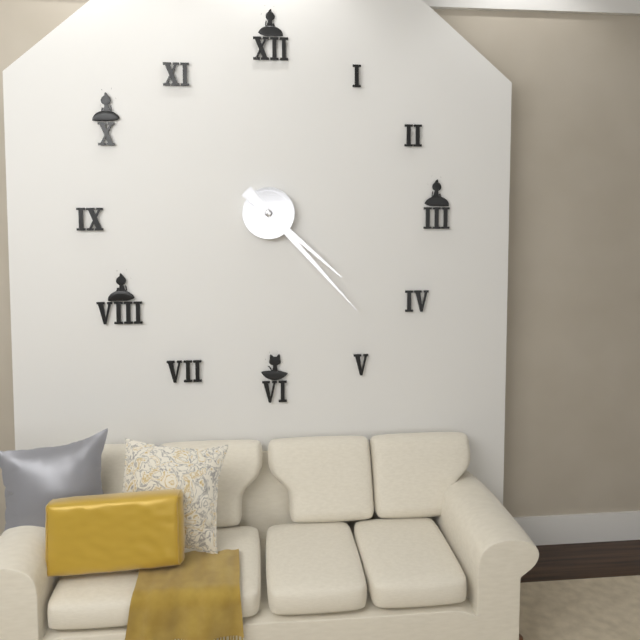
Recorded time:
{"hour": 4, "minute": 23}
